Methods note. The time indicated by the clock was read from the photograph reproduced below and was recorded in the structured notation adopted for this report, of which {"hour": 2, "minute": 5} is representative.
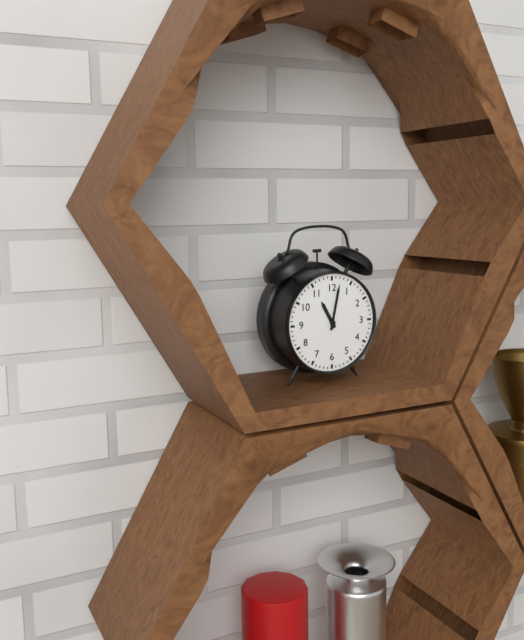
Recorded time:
{"hour": 11, "minute": 2}
